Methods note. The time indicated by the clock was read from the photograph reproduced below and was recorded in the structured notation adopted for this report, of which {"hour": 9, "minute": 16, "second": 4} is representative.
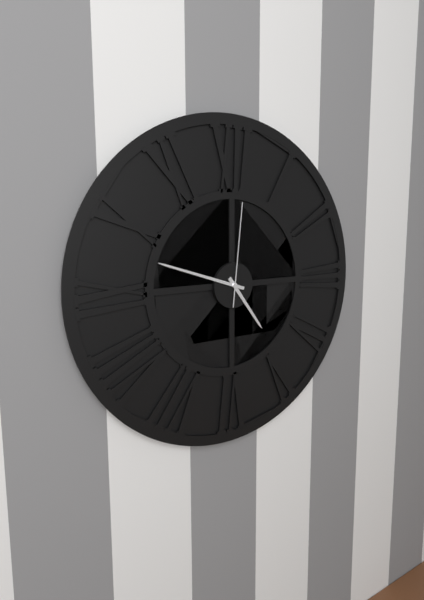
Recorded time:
{"hour": 4, "minute": 48, "second": 1}
